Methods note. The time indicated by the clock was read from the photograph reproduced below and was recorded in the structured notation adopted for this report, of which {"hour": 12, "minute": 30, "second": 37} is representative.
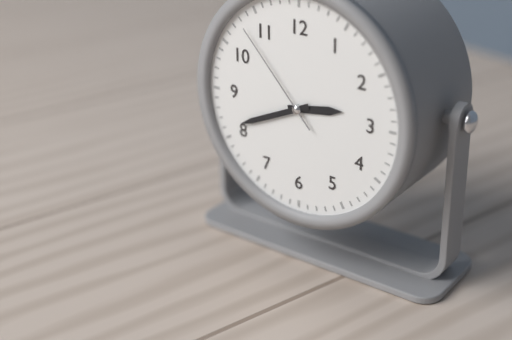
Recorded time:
{"hour": 2, "minute": 41, "second": 53}
